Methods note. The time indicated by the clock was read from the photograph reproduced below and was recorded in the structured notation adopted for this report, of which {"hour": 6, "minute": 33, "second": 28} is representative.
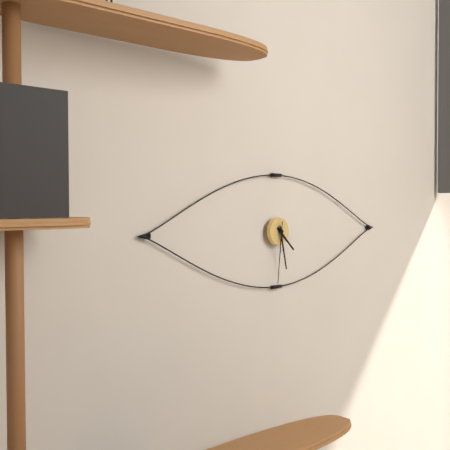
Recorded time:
{"hour": 4, "minute": 28, "second": 31}
